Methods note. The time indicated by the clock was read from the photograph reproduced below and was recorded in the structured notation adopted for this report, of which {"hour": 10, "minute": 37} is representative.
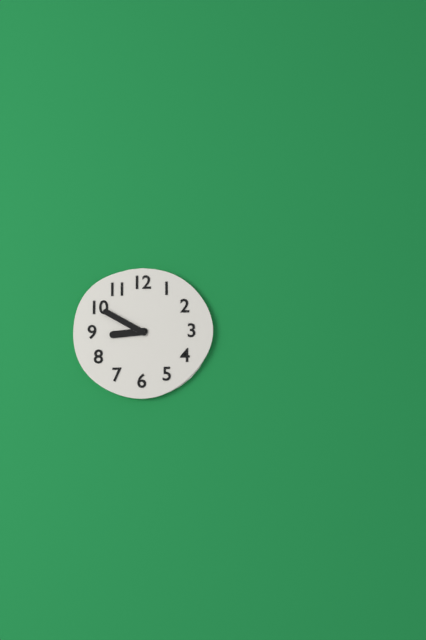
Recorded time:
{"hour": 8, "minute": 50}
